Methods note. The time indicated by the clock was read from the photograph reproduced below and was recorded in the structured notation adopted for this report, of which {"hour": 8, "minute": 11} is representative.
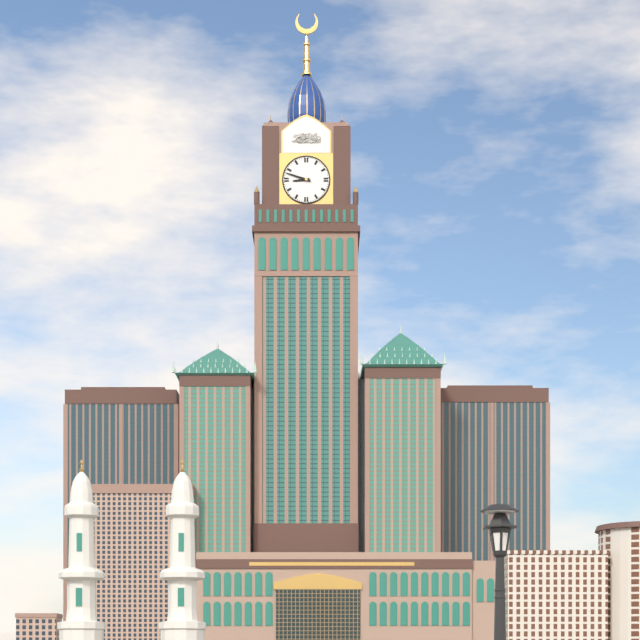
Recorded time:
{"hour": 8, "minute": 48}
